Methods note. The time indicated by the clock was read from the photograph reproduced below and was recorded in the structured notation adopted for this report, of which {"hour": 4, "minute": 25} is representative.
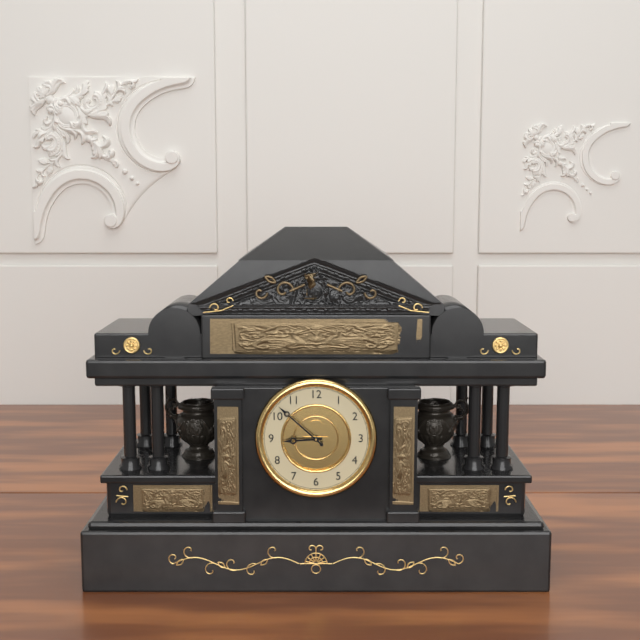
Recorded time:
{"hour": 8, "minute": 52}
